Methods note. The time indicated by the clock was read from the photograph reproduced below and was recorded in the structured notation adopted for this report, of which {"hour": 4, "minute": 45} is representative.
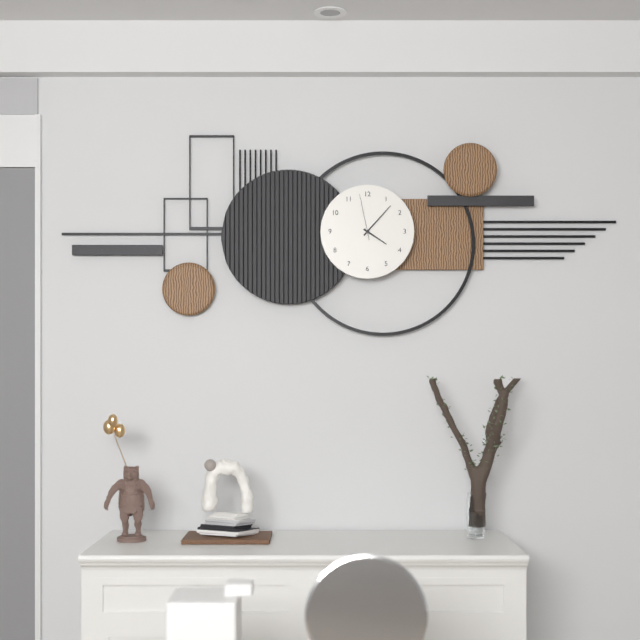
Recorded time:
{"hour": 4, "minute": 7}
